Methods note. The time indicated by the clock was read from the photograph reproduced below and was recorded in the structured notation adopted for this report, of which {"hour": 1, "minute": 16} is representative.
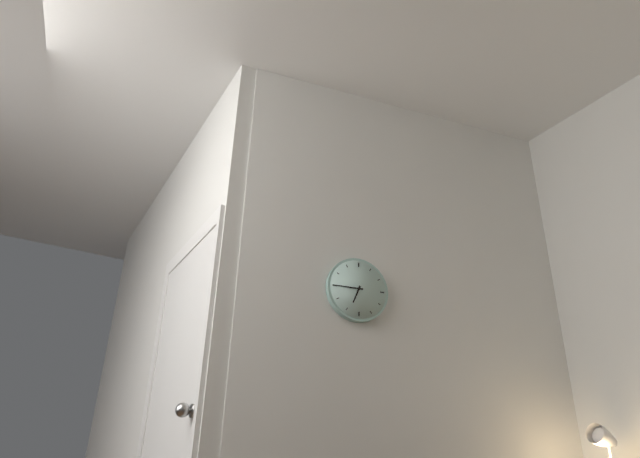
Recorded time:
{"hour": 6, "minute": 45}
